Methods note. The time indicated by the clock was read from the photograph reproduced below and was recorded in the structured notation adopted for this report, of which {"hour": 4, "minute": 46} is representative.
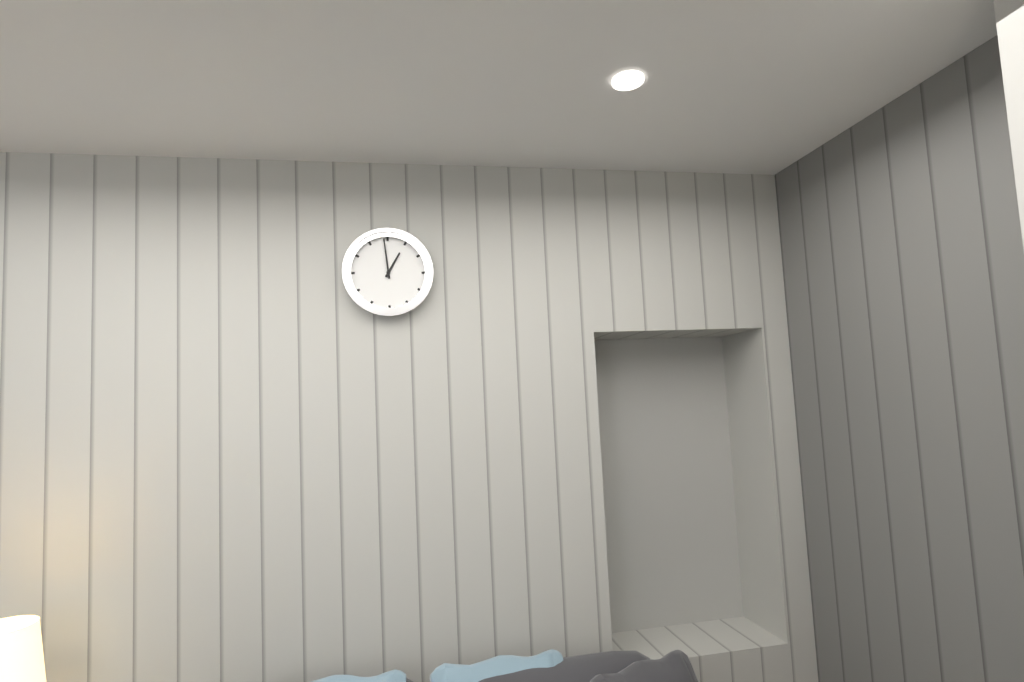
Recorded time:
{"hour": 12, "minute": 59}
